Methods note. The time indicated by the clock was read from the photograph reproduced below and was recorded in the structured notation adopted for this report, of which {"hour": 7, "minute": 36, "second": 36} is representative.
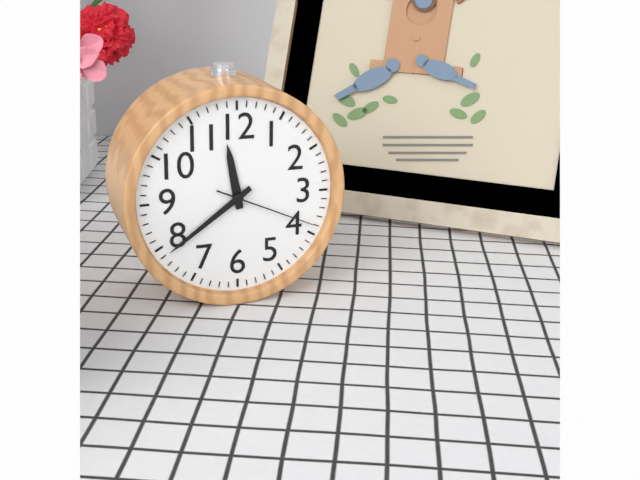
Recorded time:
{"hour": 11, "minute": 39, "second": 19}
